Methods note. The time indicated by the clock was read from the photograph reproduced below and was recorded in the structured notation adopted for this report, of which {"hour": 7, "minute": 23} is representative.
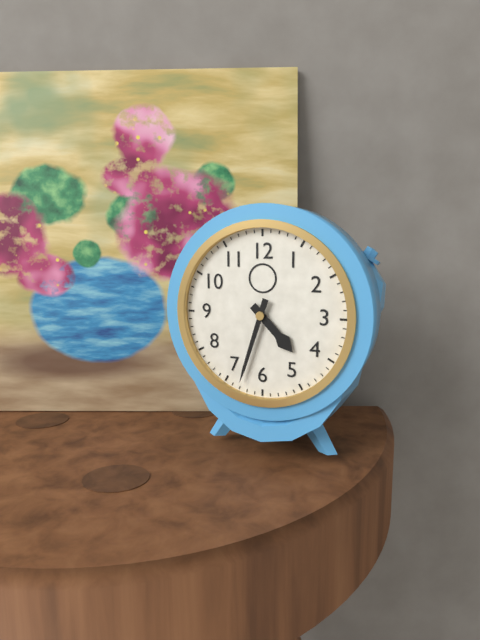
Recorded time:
{"hour": 4, "minute": 33}
